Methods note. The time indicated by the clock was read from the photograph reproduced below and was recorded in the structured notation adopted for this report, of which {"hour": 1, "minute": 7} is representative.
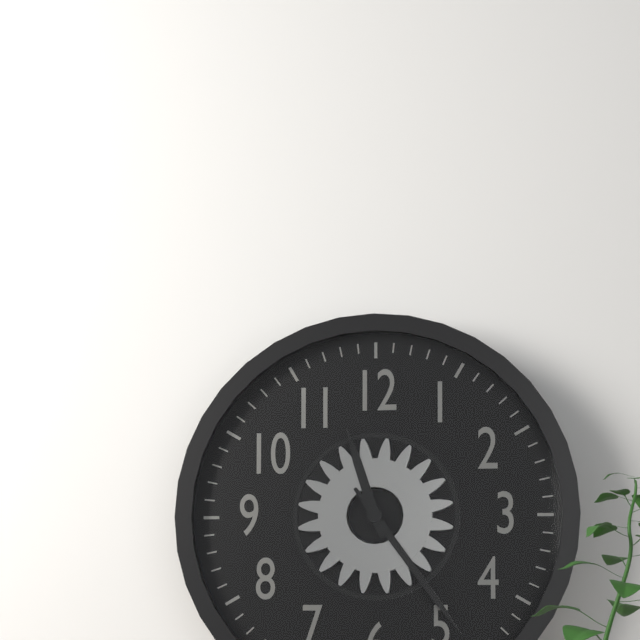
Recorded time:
{"hour": 11, "minute": 24}
